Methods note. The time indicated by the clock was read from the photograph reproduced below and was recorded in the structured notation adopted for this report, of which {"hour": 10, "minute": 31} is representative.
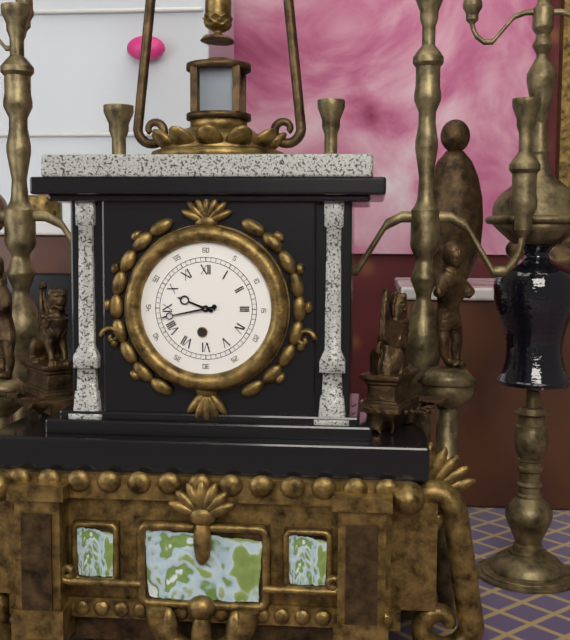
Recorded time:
{"hour": 9, "minute": 43}
